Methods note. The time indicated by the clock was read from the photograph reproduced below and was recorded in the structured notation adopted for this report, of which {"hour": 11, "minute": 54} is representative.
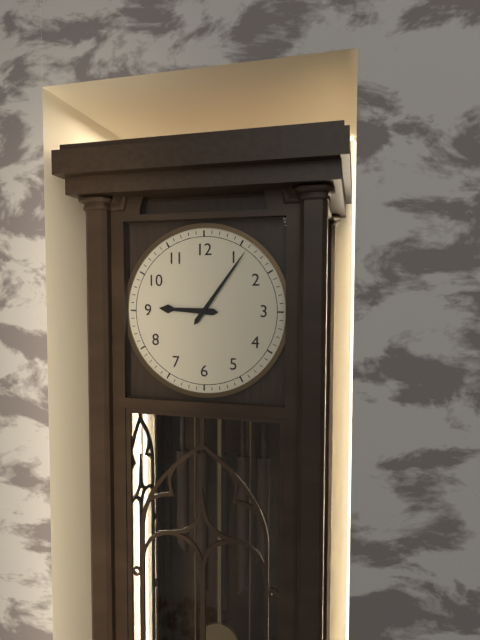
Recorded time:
{"hour": 9, "minute": 6}
